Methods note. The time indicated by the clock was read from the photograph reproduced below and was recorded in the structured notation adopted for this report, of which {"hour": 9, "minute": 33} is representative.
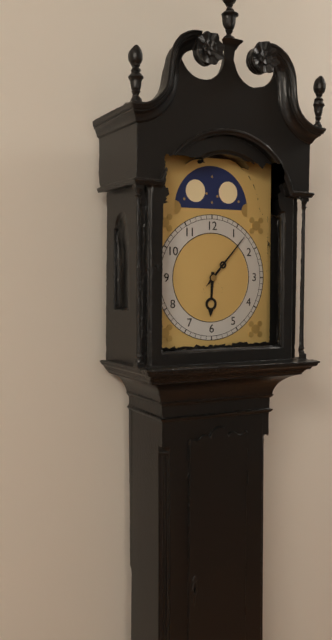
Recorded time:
{"hour": 6, "minute": 7}
